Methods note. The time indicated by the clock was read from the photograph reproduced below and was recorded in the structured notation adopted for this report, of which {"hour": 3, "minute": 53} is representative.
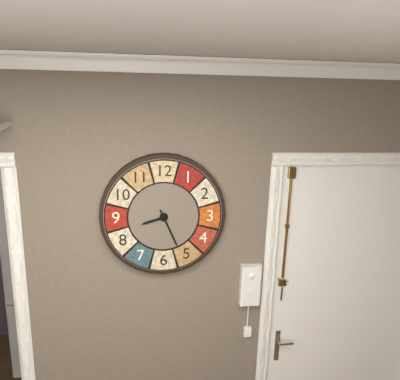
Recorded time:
{"hour": 8, "minute": 26}
